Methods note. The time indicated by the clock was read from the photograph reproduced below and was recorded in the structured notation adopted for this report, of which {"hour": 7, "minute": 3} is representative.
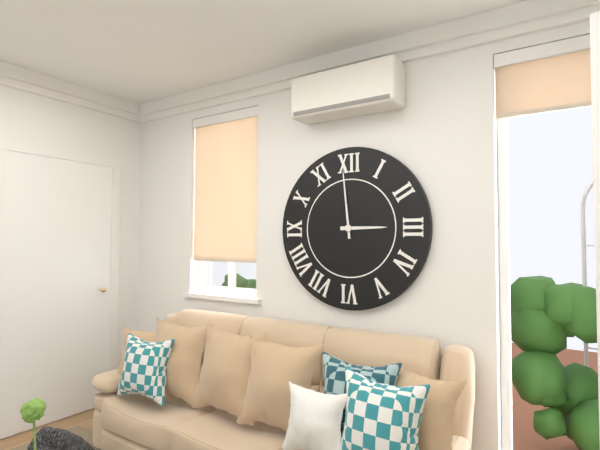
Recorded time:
{"hour": 2, "minute": 59}
